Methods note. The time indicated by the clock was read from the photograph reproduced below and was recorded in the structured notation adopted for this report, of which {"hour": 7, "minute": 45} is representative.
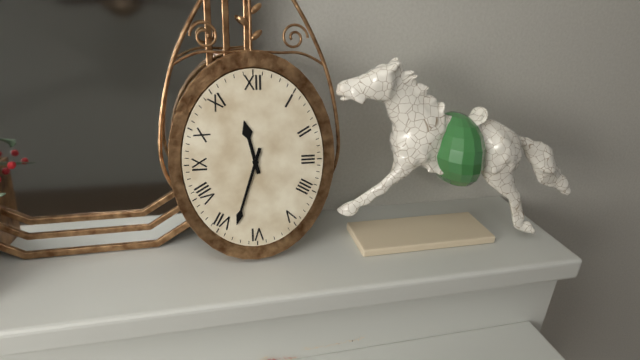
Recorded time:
{"hour": 11, "minute": 33}
